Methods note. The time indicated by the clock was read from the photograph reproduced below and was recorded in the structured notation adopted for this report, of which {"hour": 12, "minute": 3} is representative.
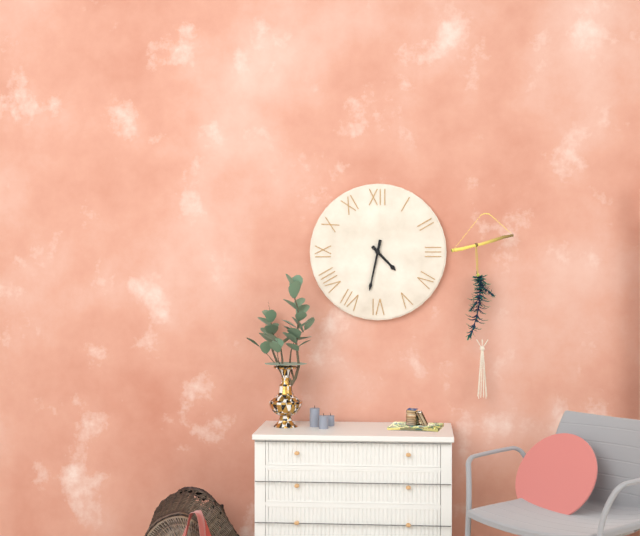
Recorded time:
{"hour": 4, "minute": 32}
